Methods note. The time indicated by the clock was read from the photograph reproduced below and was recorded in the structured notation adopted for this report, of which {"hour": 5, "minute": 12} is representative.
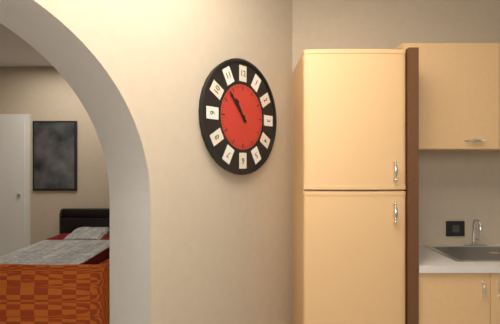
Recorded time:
{"hour": 10, "minute": 53}
